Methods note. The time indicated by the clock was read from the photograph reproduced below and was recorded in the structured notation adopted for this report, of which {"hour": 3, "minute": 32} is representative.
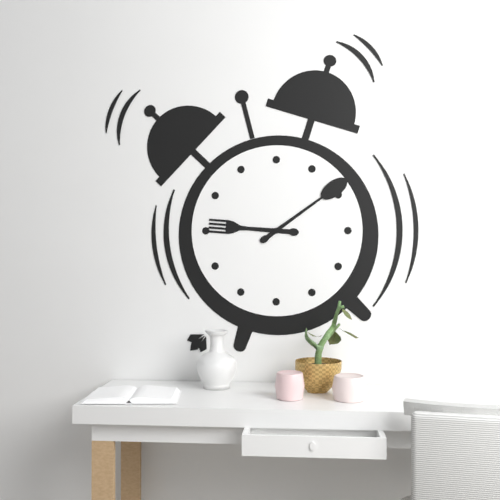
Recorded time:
{"hour": 9, "minute": 9}
